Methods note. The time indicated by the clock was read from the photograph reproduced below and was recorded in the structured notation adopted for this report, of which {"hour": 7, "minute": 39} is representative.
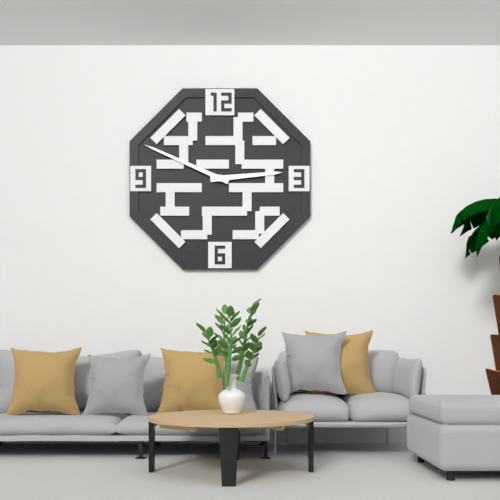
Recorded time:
{"hour": 2, "minute": 49}
